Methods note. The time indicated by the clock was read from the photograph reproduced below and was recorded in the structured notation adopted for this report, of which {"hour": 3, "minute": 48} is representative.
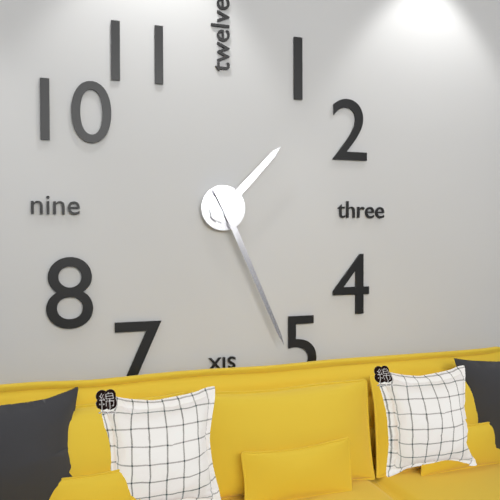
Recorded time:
{"hour": 1, "minute": 26}
